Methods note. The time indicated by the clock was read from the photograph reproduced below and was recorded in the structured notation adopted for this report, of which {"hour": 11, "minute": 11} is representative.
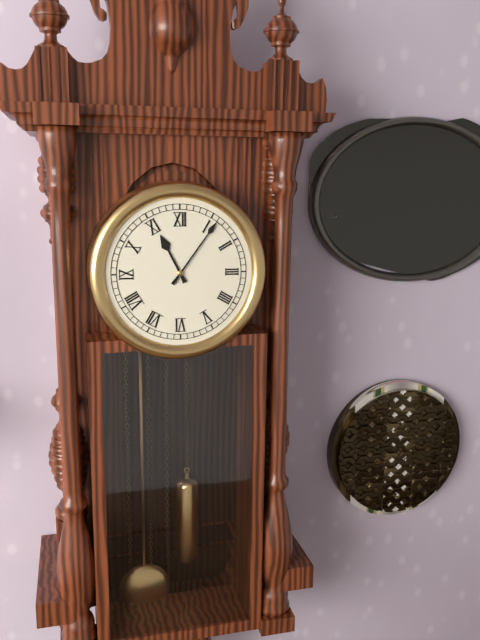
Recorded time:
{"hour": 11, "minute": 6}
